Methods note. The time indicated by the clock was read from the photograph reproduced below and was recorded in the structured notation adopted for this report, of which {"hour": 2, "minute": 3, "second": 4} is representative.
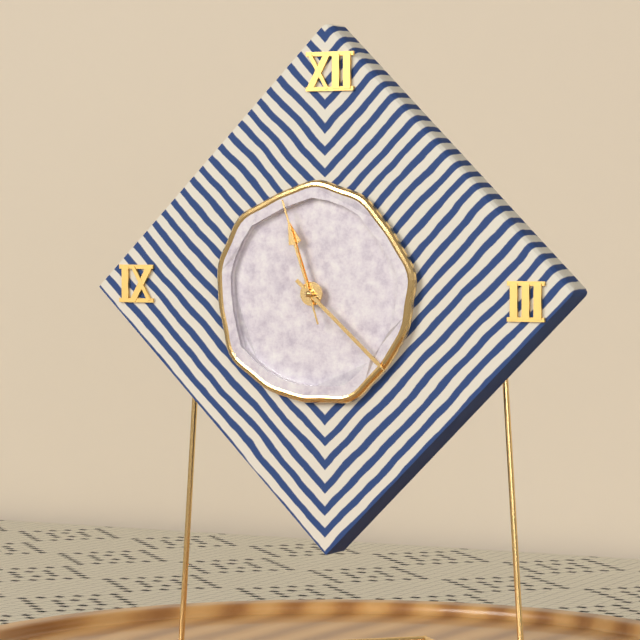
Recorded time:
{"hour": 11, "minute": 22, "second": 57}
